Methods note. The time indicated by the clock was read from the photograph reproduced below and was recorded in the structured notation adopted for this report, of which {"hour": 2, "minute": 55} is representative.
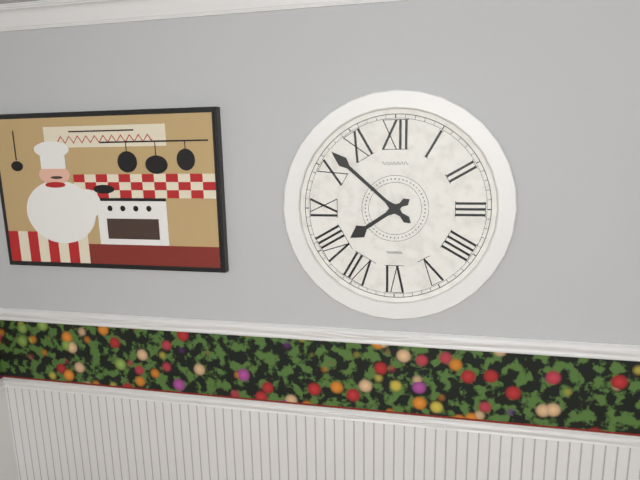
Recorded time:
{"hour": 7, "minute": 52}
